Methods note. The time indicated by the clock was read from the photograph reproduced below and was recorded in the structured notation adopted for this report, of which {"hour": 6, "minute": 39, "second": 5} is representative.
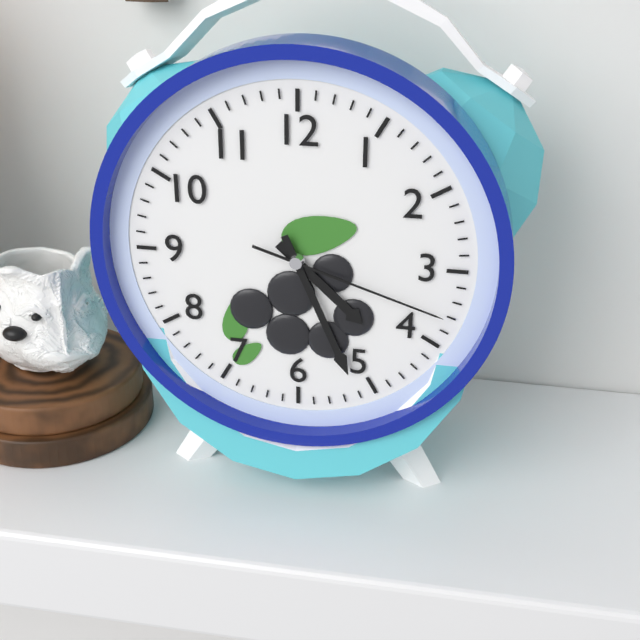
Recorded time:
{"hour": 4, "minute": 26, "second": 18}
